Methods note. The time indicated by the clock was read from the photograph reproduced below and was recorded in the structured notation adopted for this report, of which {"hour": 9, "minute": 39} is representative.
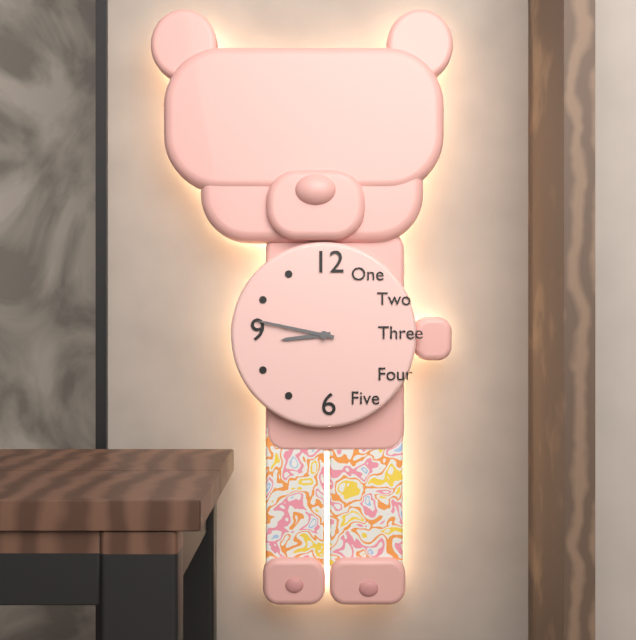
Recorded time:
{"hour": 8, "minute": 47}
